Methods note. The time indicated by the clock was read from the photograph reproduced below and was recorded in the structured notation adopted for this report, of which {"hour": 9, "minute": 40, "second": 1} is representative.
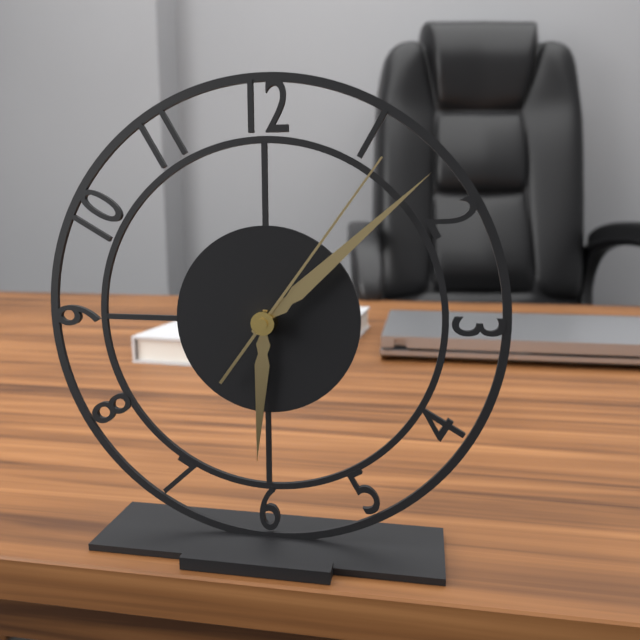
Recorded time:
{"hour": 6, "minute": 8, "second": 6}
